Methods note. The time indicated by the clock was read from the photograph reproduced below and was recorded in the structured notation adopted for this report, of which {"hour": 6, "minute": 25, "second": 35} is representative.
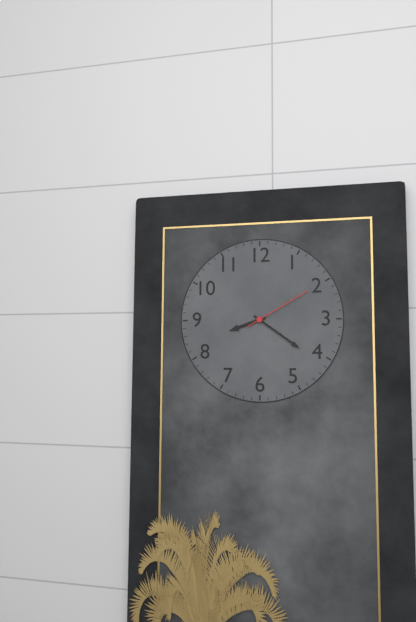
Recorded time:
{"hour": 8, "minute": 21, "second": 10}
